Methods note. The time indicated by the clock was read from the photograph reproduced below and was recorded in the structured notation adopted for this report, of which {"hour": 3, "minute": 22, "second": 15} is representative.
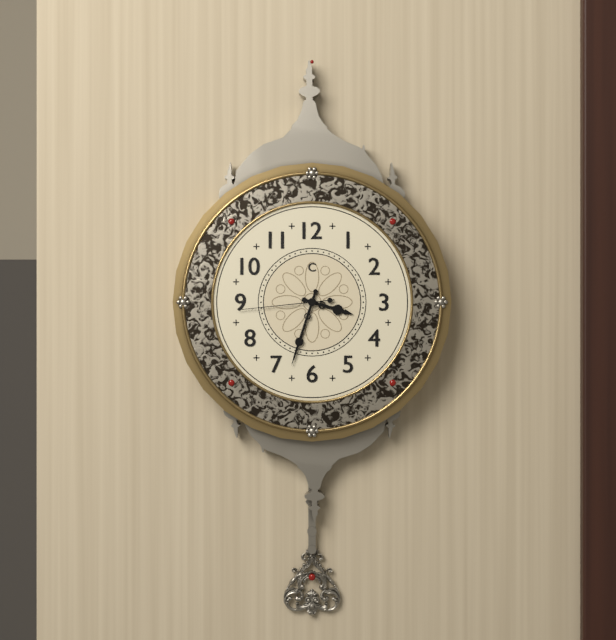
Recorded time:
{"hour": 3, "minute": 33, "second": 44}
